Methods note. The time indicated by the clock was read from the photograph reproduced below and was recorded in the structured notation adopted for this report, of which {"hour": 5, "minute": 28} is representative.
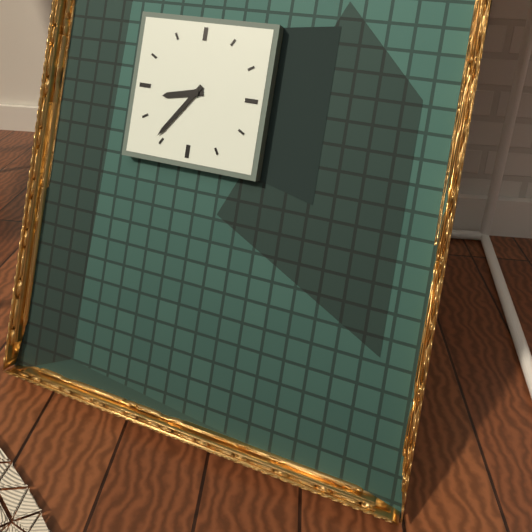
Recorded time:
{"hour": 8, "minute": 36}
